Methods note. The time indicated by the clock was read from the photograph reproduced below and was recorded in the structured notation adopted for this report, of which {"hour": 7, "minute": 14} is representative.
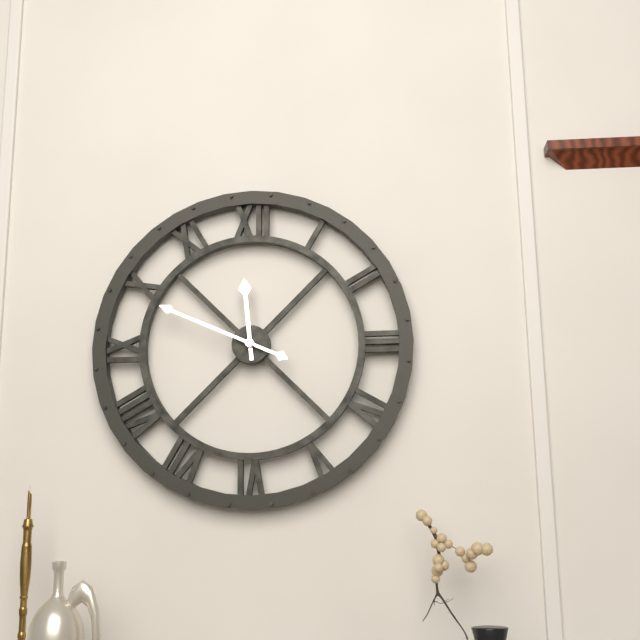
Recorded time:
{"hour": 11, "minute": 49}
